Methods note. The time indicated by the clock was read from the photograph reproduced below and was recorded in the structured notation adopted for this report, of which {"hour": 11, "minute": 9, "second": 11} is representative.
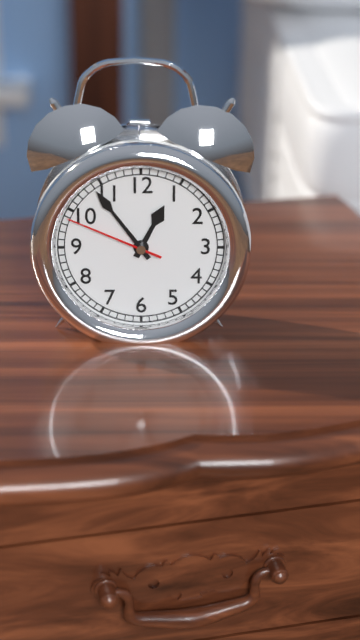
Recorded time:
{"hour": 12, "minute": 54, "second": 49}
